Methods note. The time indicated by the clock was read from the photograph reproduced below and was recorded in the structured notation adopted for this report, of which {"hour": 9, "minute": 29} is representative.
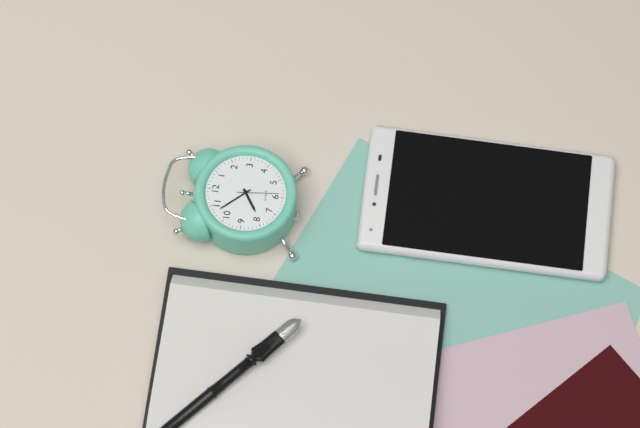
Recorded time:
{"hour": 7, "minute": 53}
